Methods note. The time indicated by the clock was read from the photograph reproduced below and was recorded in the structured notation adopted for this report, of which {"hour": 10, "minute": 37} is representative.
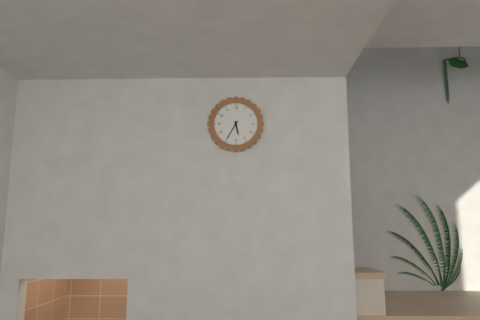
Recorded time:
{"hour": 5, "minute": 35}
